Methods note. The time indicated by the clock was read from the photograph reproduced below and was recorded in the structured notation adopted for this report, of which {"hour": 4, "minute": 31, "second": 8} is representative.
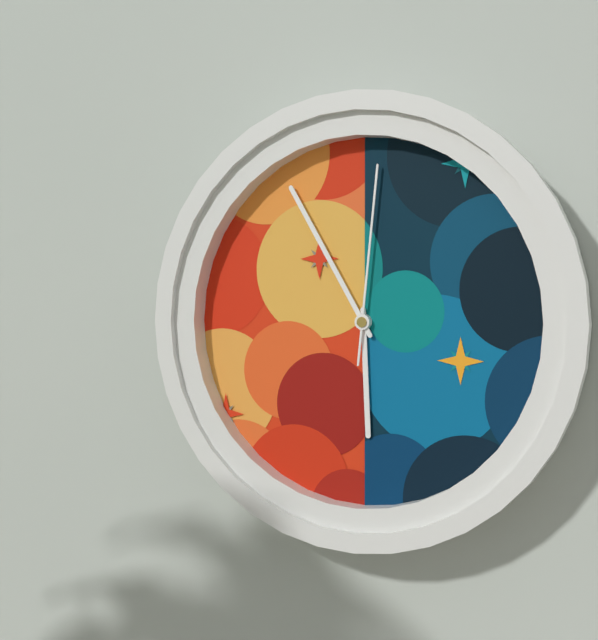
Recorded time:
{"hour": 5, "minute": 55, "second": 1}
